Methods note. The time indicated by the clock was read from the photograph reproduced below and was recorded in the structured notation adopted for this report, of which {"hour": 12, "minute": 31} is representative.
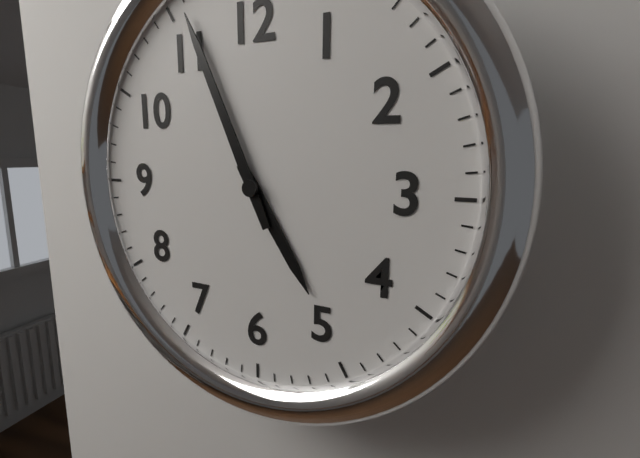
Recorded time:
{"hour": 4, "minute": 56}
